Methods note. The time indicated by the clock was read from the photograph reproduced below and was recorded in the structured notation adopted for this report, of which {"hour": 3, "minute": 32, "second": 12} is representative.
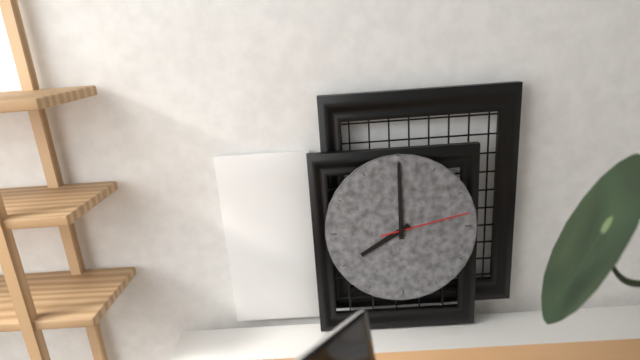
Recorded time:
{"hour": 8, "minute": 0, "second": 13}
